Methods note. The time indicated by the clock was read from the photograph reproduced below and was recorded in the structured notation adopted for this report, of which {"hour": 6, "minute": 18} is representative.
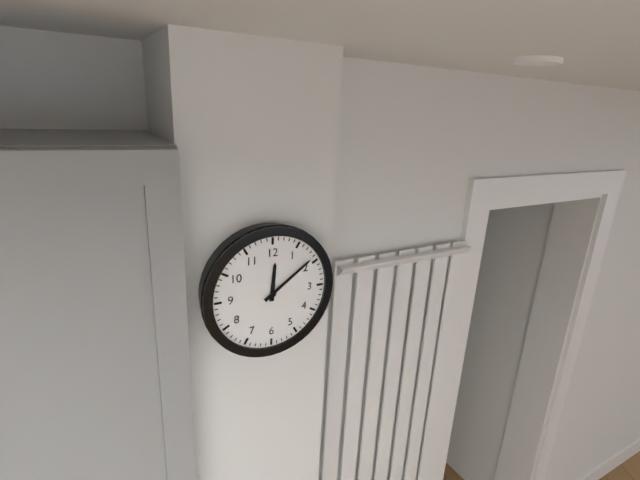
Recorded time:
{"hour": 12, "minute": 9}
